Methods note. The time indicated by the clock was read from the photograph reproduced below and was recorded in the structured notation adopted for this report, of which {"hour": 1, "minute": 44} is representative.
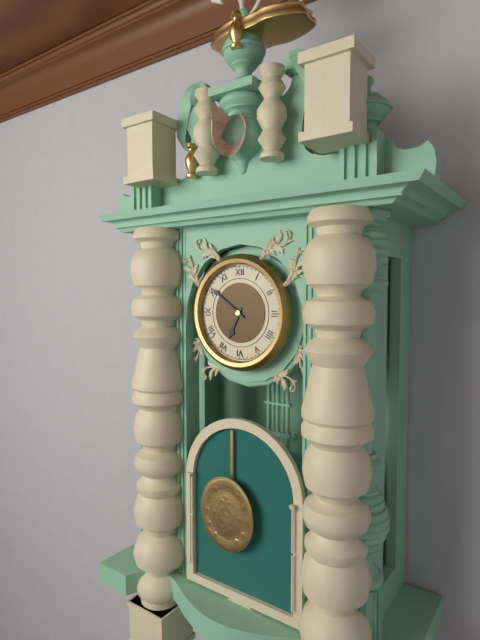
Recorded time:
{"hour": 6, "minute": 51}
